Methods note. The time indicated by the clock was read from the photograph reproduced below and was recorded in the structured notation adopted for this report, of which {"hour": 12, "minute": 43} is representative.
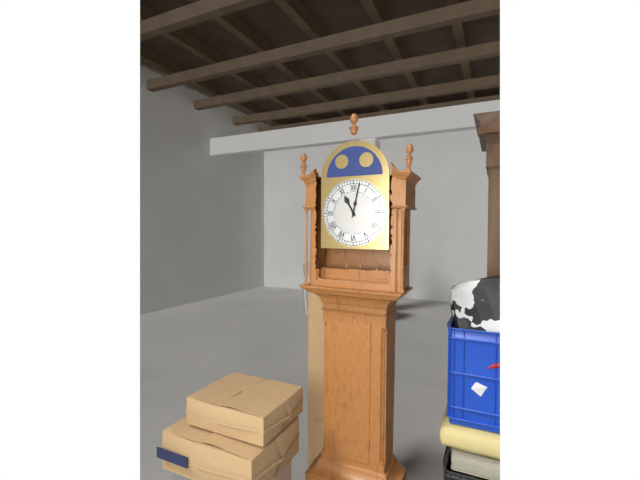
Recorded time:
{"hour": 11, "minute": 2}
